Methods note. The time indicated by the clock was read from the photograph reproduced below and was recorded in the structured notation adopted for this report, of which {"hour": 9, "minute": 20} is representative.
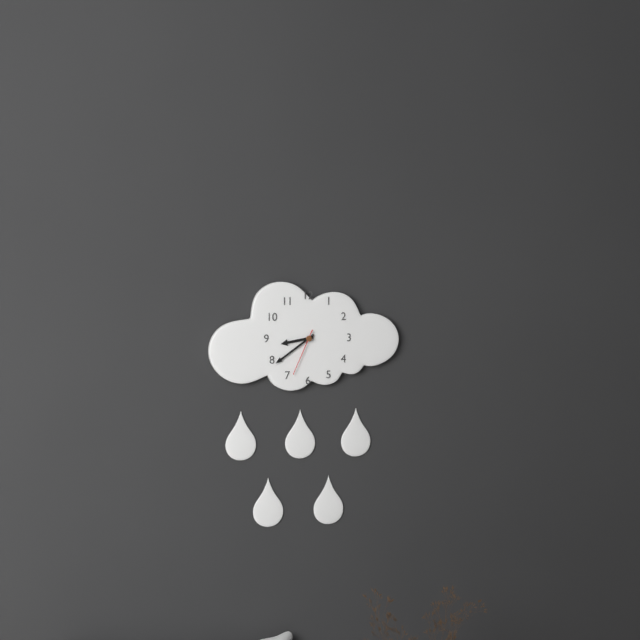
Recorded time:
{"hour": 8, "minute": 39}
